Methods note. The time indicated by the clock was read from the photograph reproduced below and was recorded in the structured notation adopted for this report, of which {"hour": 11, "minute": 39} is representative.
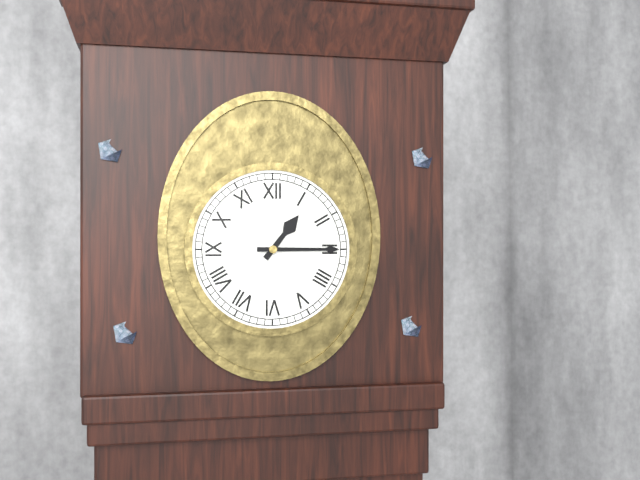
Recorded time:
{"hour": 1, "minute": 15}
